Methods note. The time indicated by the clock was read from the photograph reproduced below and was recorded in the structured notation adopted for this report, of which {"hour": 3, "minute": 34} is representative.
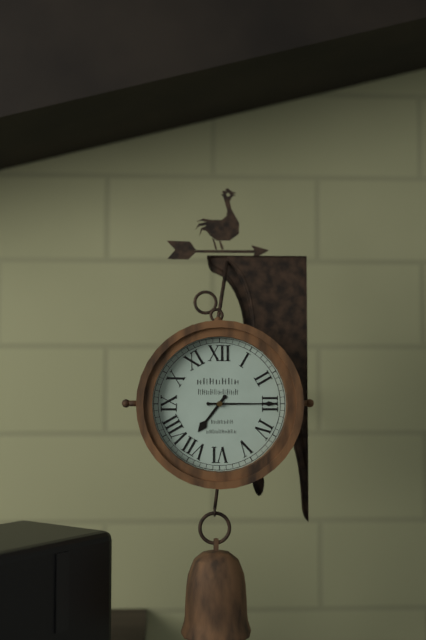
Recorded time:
{"hour": 7, "minute": 15}
